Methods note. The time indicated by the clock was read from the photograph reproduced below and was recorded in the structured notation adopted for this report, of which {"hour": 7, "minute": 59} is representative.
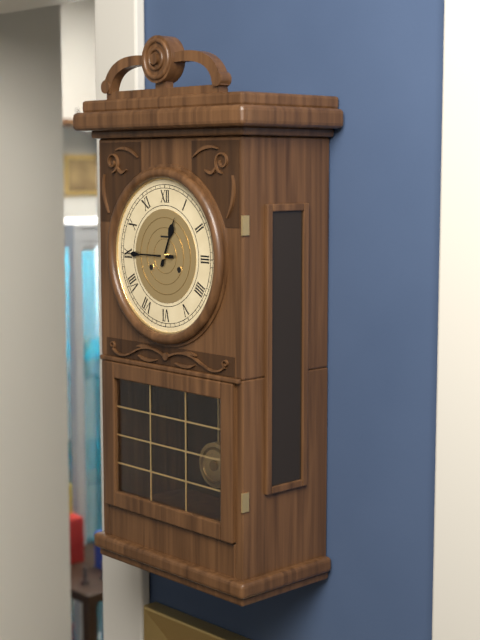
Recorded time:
{"hour": 12, "minute": 45}
